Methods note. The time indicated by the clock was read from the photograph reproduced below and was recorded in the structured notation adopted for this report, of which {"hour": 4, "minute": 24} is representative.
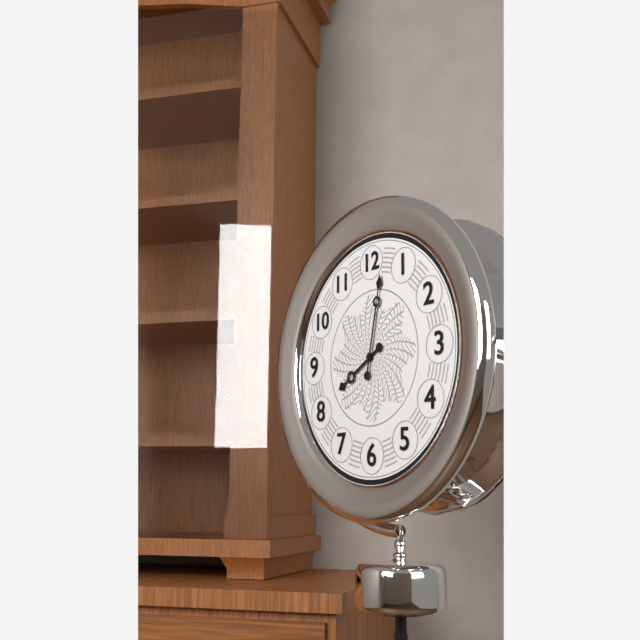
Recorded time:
{"hour": 8, "minute": 2}
